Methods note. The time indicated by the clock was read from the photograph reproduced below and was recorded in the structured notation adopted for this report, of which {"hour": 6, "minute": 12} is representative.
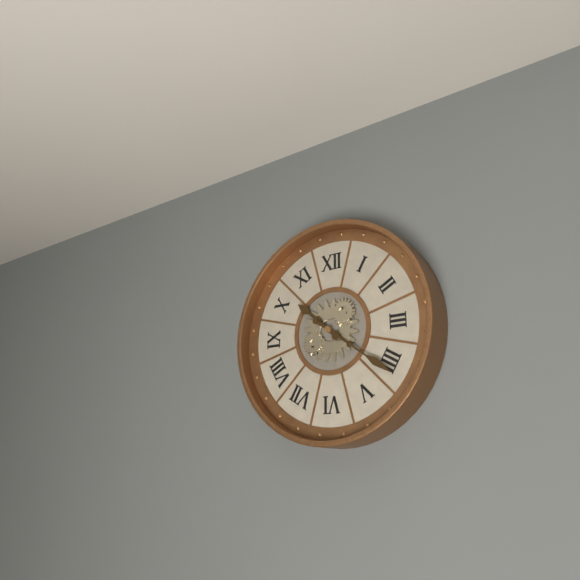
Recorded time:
{"hour": 10, "minute": 21}
